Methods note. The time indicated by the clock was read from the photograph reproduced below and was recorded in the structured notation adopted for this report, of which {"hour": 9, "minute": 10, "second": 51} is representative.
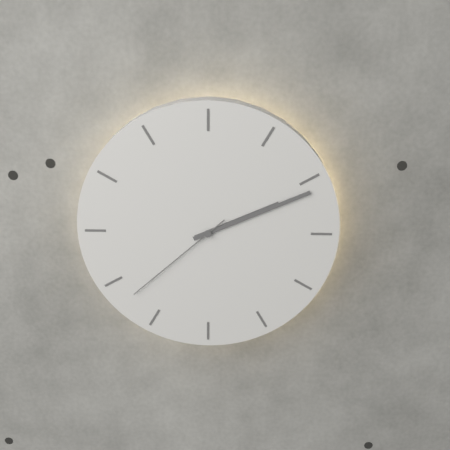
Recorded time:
{"hour": 2, "minute": 11, "second": 38}
